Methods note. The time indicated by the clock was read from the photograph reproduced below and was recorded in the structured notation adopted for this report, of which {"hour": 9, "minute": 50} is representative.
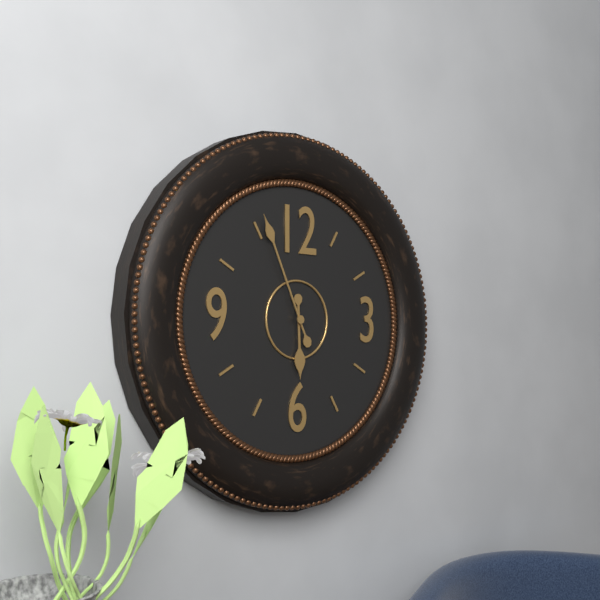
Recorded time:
{"hour": 5, "minute": 56}
